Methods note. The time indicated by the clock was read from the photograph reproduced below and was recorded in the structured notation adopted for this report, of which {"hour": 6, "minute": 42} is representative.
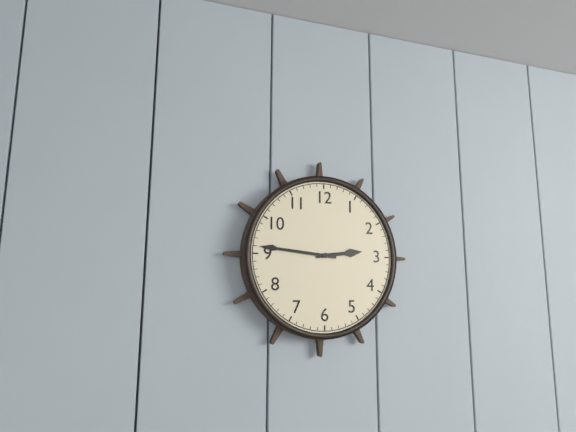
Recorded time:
{"hour": 2, "minute": 46}
